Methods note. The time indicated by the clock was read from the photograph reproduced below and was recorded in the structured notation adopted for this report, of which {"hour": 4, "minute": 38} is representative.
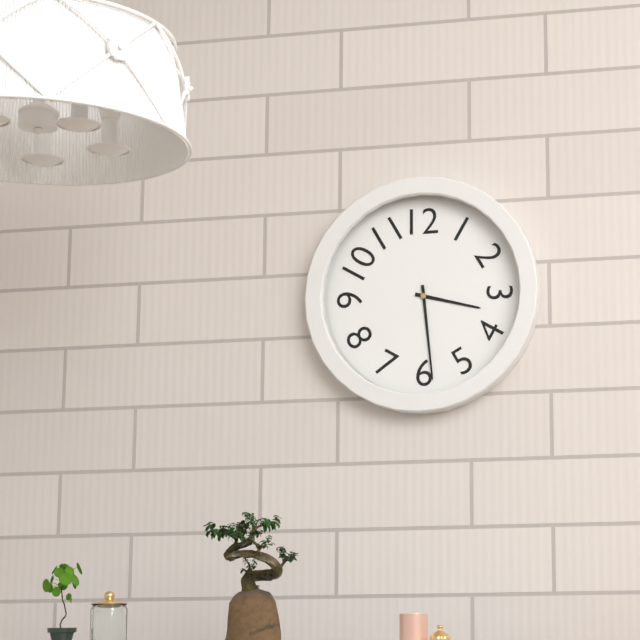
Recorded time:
{"hour": 3, "minute": 29}
